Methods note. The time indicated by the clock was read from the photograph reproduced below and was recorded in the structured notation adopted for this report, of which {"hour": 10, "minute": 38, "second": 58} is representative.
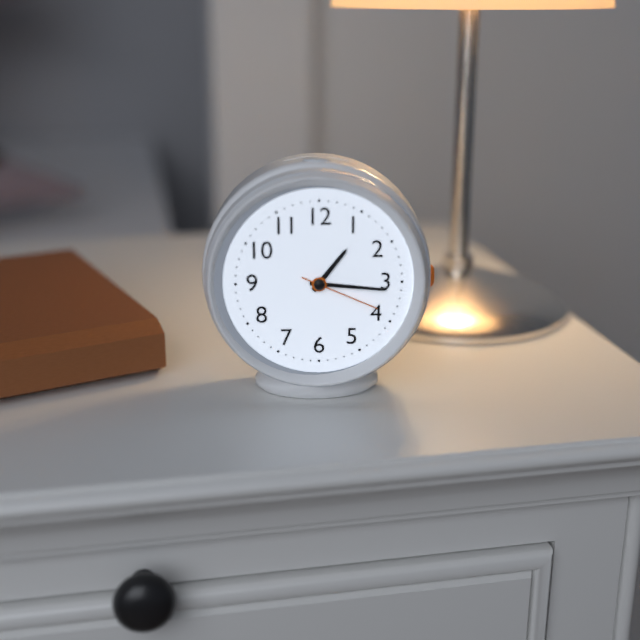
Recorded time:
{"hour": 1, "minute": 16, "second": 19}
